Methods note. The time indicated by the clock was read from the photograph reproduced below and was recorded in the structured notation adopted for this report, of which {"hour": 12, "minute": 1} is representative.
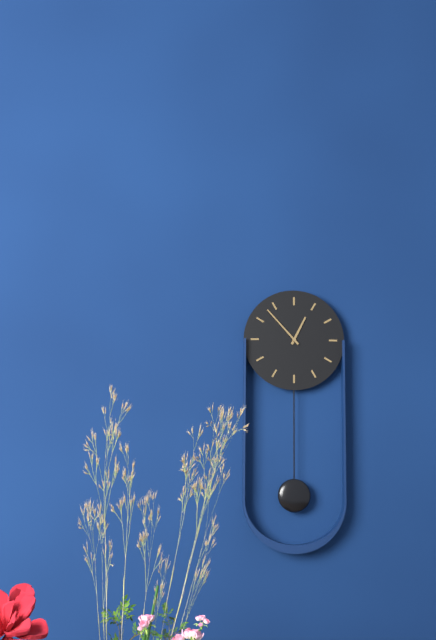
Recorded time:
{"hour": 12, "minute": 53}
